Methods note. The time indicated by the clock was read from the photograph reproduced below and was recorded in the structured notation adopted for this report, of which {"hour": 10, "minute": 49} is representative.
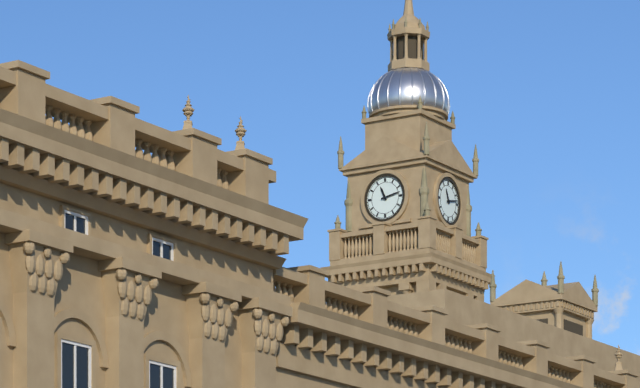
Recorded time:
{"hour": 11, "minute": 13}
